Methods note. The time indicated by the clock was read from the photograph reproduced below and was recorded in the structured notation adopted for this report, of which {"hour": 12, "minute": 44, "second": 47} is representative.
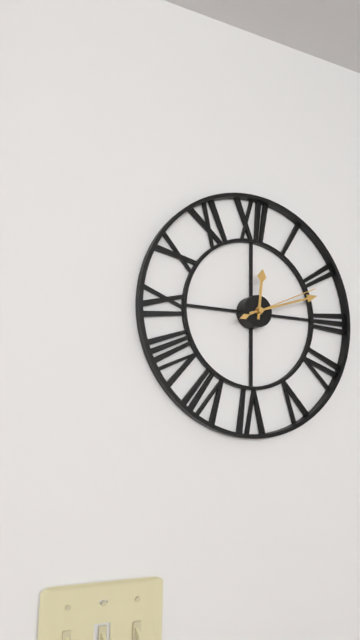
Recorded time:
{"hour": 12, "minute": 12, "second": 11}
